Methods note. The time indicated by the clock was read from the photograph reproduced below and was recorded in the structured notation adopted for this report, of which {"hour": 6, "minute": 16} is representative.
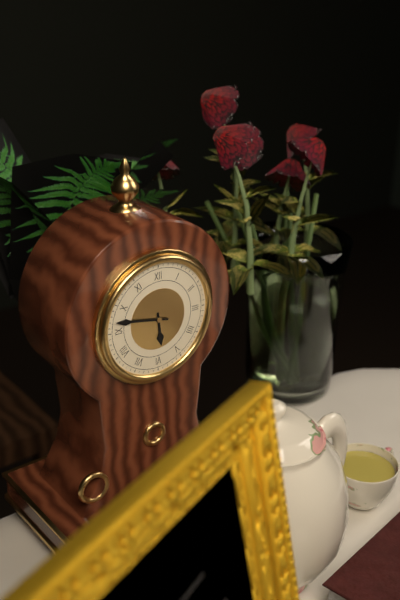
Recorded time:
{"hour": 5, "minute": 47}
